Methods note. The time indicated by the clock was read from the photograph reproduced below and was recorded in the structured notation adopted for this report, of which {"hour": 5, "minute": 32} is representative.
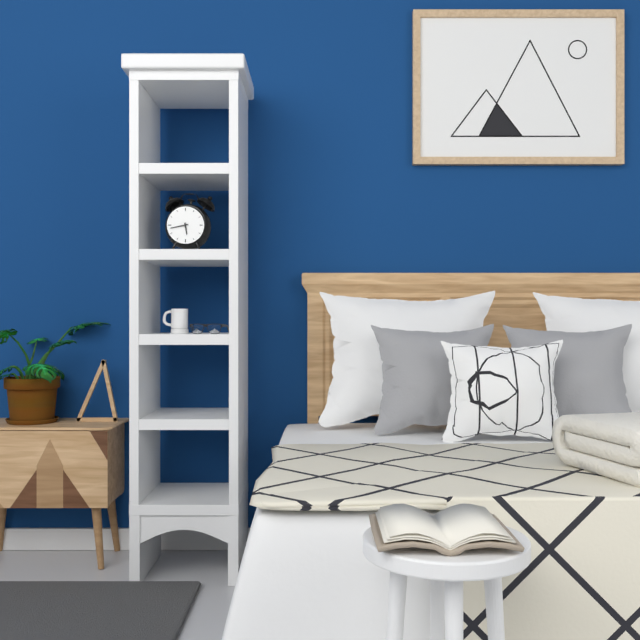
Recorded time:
{"hour": 5, "minute": 43}
